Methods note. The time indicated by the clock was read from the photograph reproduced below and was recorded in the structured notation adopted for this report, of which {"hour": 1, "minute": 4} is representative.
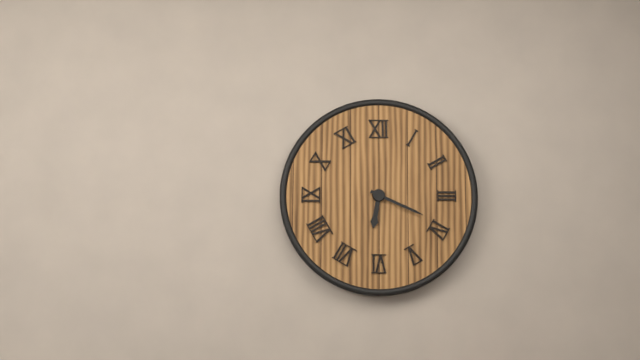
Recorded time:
{"hour": 6, "minute": 19}
